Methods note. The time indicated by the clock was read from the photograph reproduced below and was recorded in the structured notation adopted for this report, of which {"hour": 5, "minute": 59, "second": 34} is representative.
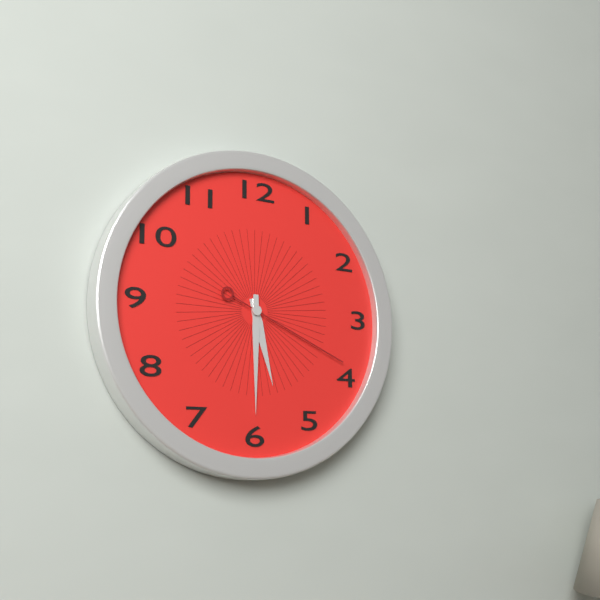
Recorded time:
{"hour": 5, "minute": 30, "second": 19}
